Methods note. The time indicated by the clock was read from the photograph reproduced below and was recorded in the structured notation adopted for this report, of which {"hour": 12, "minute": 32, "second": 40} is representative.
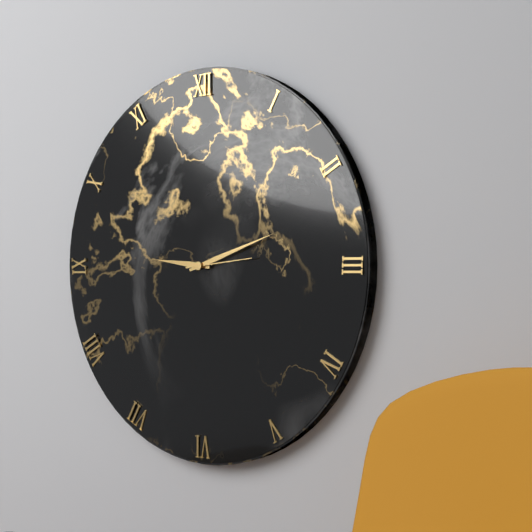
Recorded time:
{"hour": 9, "minute": 12, "second": 14}
